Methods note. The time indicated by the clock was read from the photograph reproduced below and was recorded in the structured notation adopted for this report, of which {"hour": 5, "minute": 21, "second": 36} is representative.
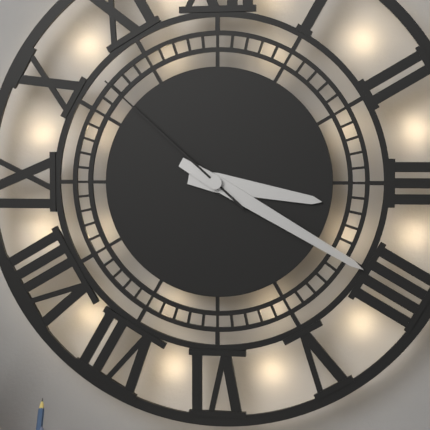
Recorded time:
{"hour": 3, "minute": 20, "second": 52}
